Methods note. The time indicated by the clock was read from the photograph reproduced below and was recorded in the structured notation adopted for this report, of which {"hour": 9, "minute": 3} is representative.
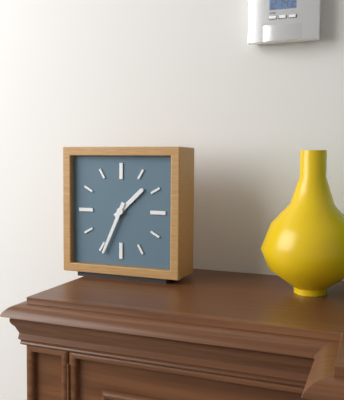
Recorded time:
{"hour": 1, "minute": 34}
